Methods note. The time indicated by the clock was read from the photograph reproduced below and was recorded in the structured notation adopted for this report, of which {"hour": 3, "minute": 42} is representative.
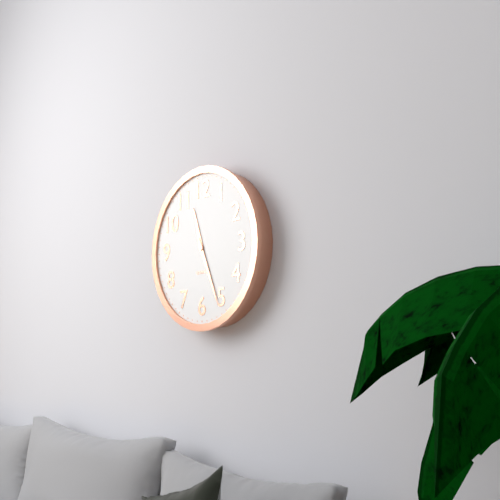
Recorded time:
{"hour": 11, "minute": 26}
